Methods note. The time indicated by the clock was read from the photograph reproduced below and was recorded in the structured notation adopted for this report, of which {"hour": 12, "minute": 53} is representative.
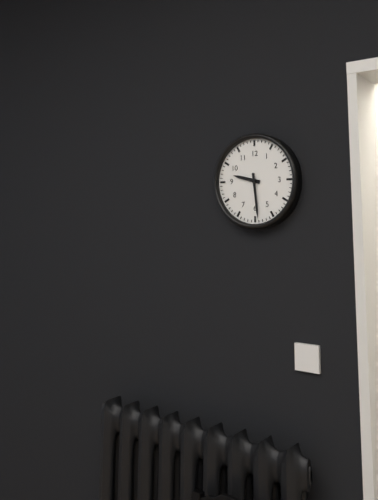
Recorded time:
{"hour": 9, "minute": 29}
